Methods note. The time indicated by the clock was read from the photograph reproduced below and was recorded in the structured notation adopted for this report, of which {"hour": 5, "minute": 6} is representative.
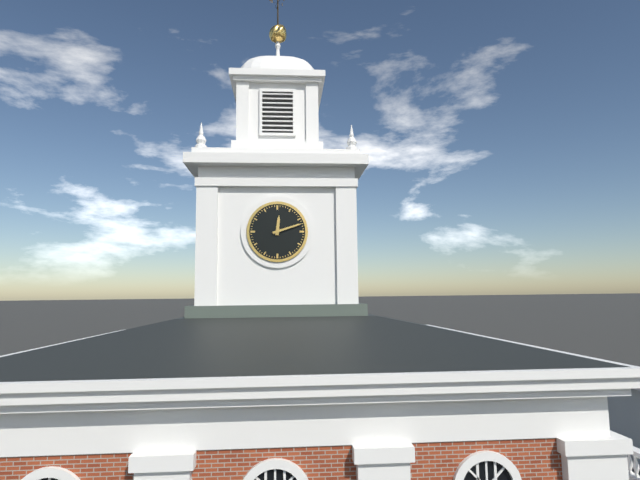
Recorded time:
{"hour": 12, "minute": 12}
